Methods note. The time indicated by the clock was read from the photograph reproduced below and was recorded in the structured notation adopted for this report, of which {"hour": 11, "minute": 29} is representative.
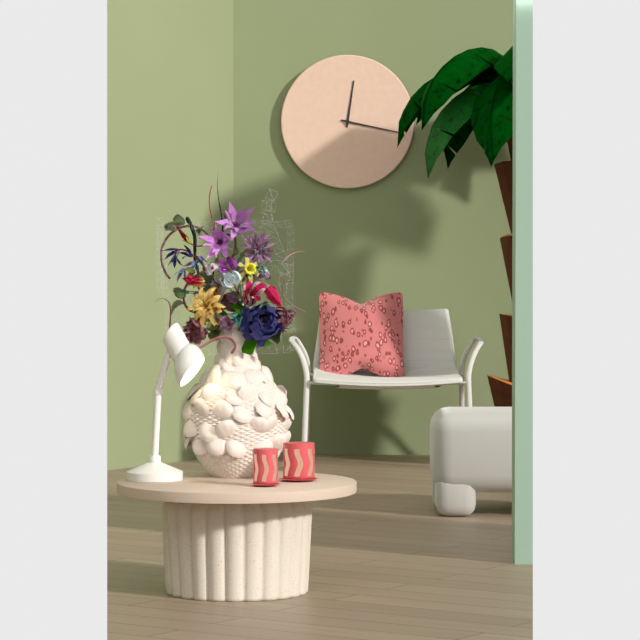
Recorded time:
{"hour": 12, "minute": 17}
